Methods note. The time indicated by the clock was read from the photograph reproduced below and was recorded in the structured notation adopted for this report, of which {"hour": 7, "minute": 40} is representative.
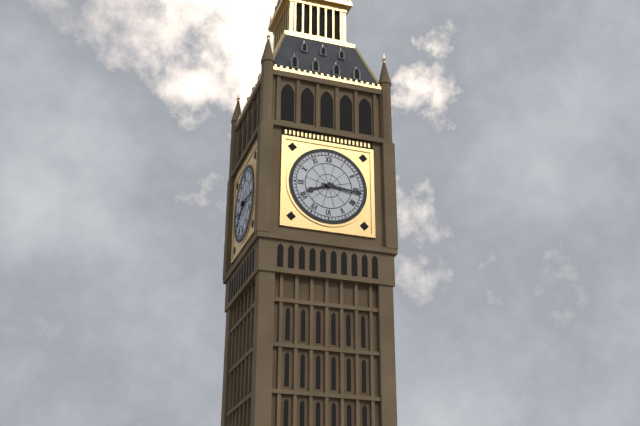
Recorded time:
{"hour": 8, "minute": 16}
